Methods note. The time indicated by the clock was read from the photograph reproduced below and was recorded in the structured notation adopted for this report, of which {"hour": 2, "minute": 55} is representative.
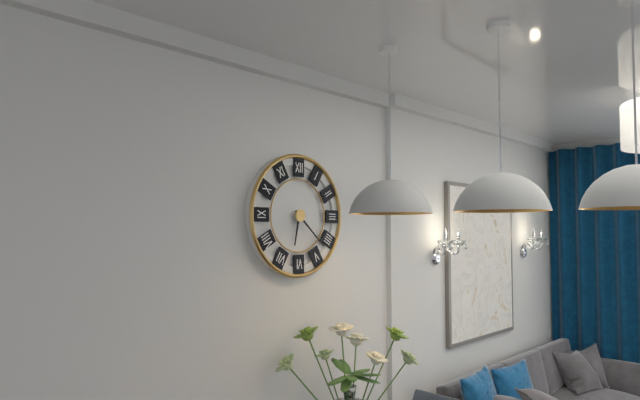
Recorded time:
{"hour": 6, "minute": 22}
